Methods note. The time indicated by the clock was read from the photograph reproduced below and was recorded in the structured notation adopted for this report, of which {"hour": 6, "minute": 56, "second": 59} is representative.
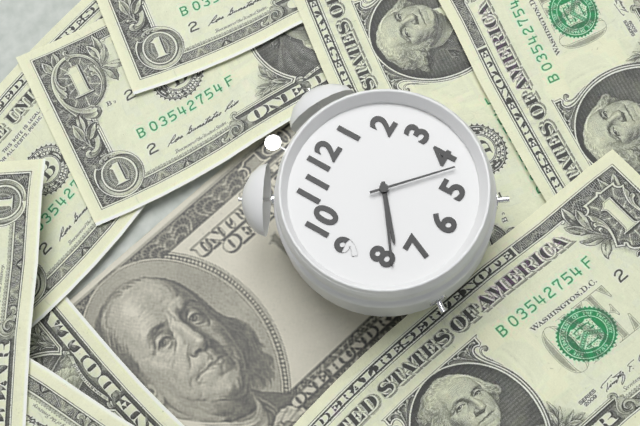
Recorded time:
{"hour": 7, "minute": 39, "second": 22}
